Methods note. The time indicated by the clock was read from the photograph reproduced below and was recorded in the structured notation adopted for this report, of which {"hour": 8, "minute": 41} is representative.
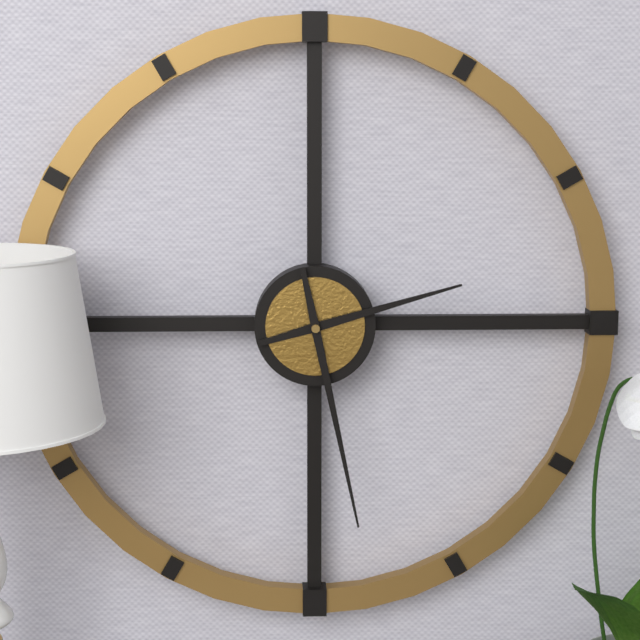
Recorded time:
{"hour": 2, "minute": 28}
